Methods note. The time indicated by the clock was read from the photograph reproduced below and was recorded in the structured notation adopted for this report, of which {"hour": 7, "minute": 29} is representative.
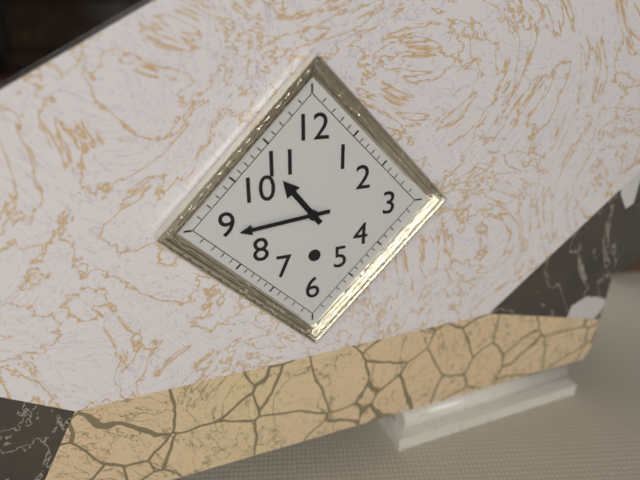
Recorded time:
{"hour": 10, "minute": 44}
